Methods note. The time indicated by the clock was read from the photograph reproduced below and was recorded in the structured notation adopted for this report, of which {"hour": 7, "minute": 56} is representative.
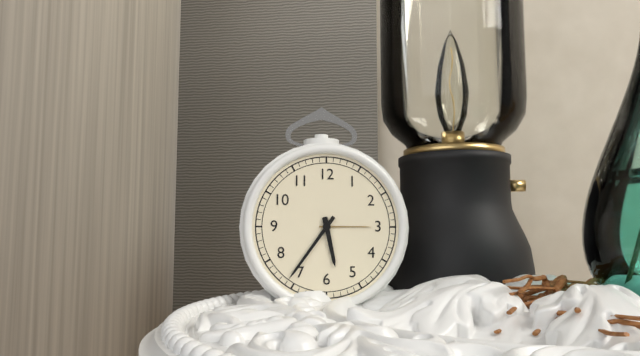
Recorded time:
{"hour": 5, "minute": 36}
